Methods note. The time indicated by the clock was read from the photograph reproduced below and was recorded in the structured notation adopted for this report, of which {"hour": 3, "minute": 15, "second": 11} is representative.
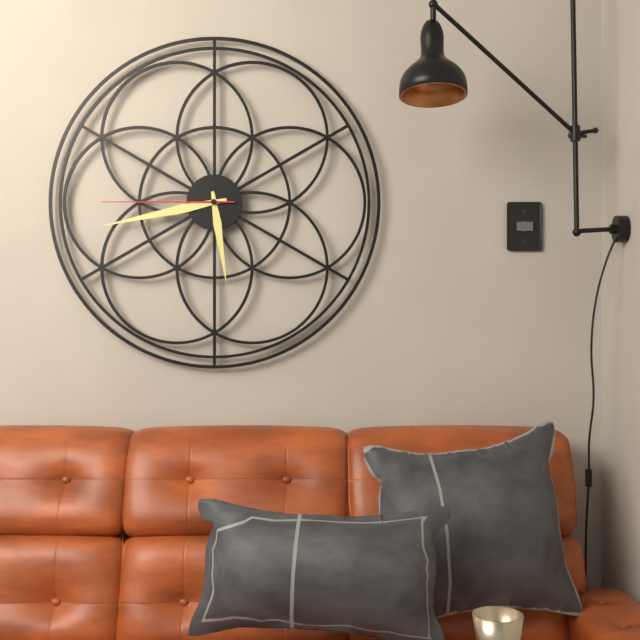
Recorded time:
{"hour": 5, "minute": 43, "second": 45}
